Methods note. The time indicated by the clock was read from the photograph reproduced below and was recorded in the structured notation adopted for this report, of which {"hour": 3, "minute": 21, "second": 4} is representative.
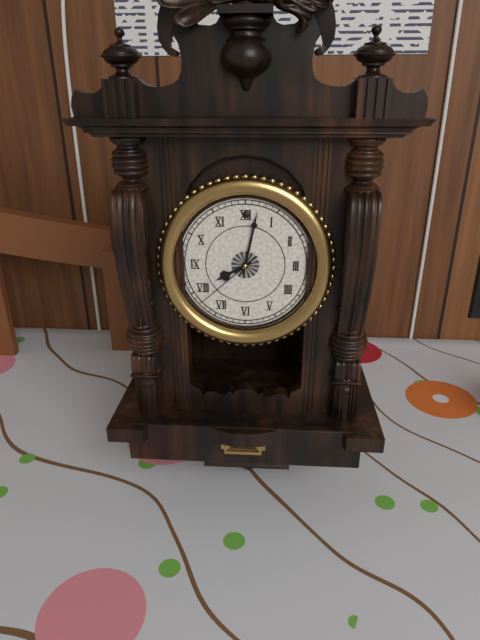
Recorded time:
{"hour": 8, "minute": 2, "second": 38}
